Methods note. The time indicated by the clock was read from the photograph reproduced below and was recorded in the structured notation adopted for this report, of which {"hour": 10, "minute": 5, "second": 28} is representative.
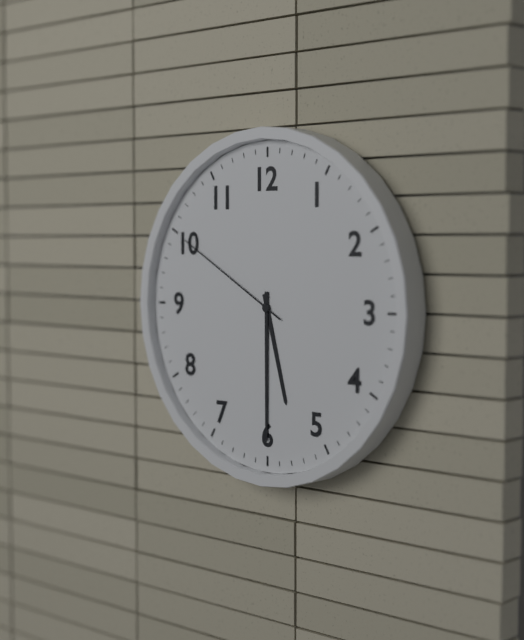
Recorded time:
{"hour": 5, "minute": 30, "second": 50}
